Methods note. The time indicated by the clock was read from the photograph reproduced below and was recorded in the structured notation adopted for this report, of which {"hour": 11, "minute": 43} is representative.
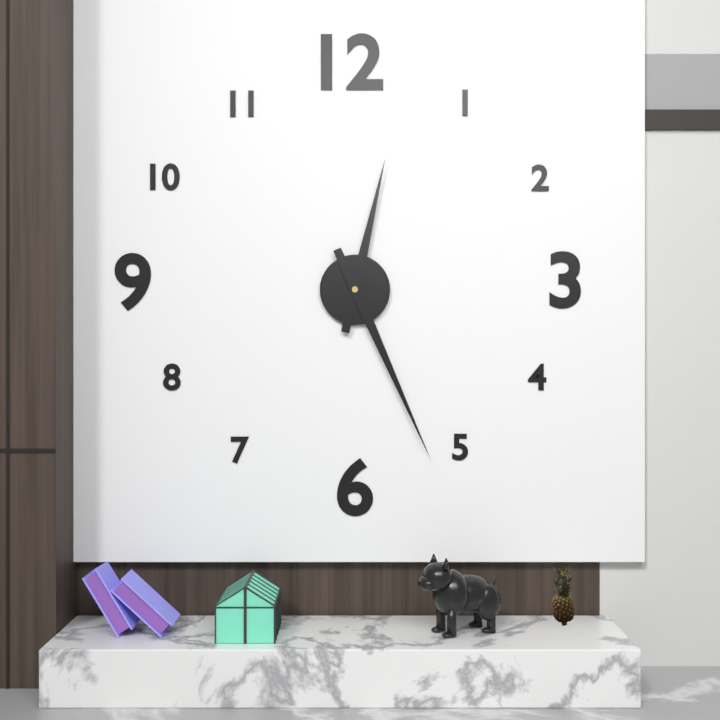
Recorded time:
{"hour": 12, "minute": 26}
